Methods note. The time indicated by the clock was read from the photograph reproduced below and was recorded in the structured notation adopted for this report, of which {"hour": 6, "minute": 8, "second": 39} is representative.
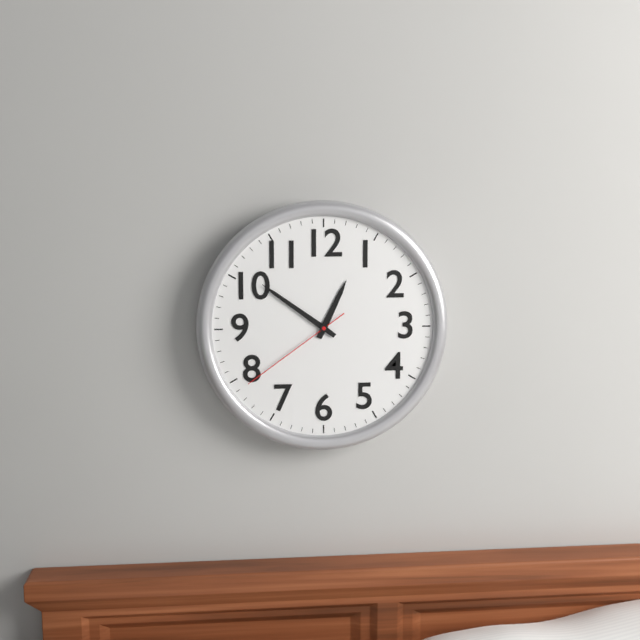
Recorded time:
{"hour": 12, "minute": 51, "second": 39}
